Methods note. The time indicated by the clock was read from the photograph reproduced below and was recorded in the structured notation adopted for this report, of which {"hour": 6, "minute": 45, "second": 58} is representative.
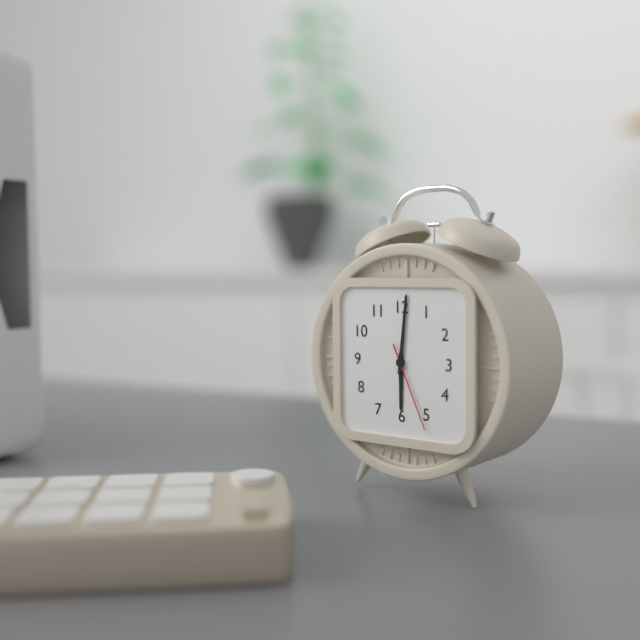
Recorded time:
{"hour": 6, "minute": 1, "second": 26}
